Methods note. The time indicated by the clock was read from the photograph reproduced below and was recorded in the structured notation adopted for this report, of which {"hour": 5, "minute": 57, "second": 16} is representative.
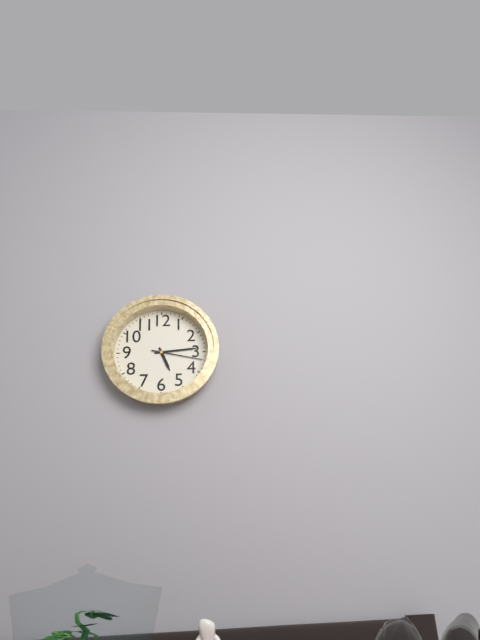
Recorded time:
{"hour": 5, "minute": 14, "second": 17}
